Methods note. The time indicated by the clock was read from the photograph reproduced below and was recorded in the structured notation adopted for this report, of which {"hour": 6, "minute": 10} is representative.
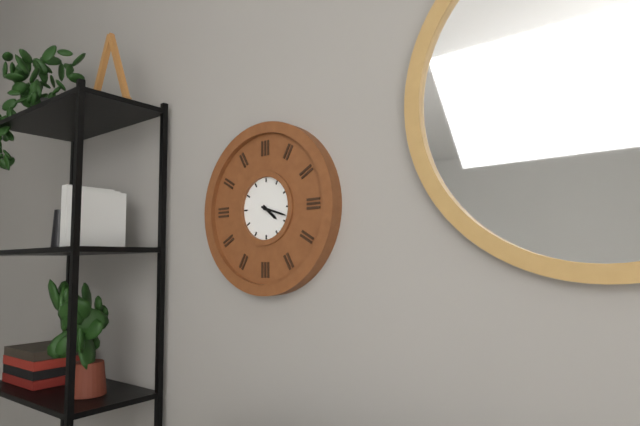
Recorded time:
{"hour": 4, "minute": 18}
